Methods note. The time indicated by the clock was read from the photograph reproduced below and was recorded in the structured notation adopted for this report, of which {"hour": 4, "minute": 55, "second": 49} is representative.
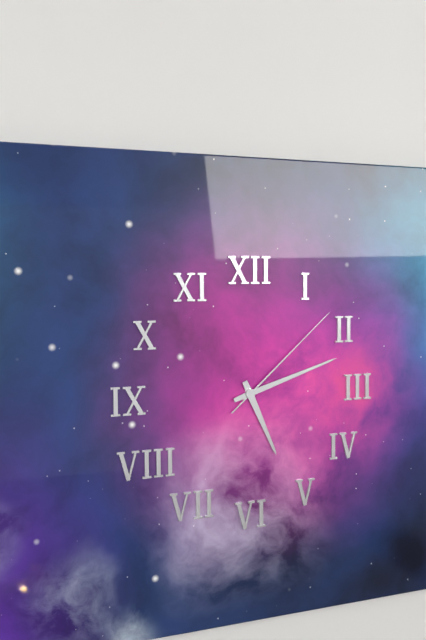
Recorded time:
{"hour": 5, "minute": 12, "second": 8}
